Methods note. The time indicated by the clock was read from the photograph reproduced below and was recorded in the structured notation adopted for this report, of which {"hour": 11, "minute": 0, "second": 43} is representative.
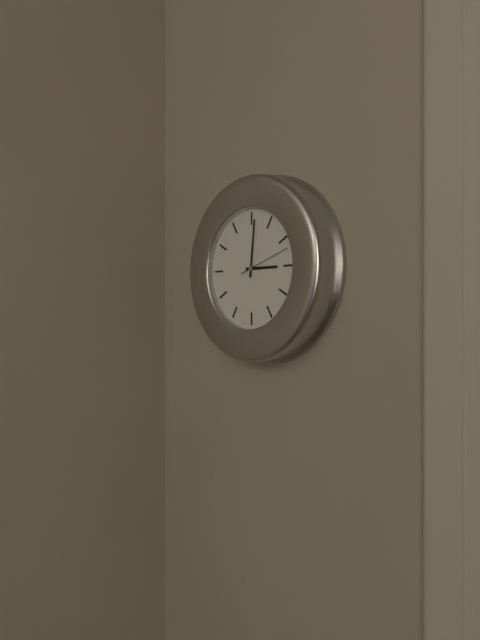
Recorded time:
{"hour": 3, "minute": 1, "second": 12}
